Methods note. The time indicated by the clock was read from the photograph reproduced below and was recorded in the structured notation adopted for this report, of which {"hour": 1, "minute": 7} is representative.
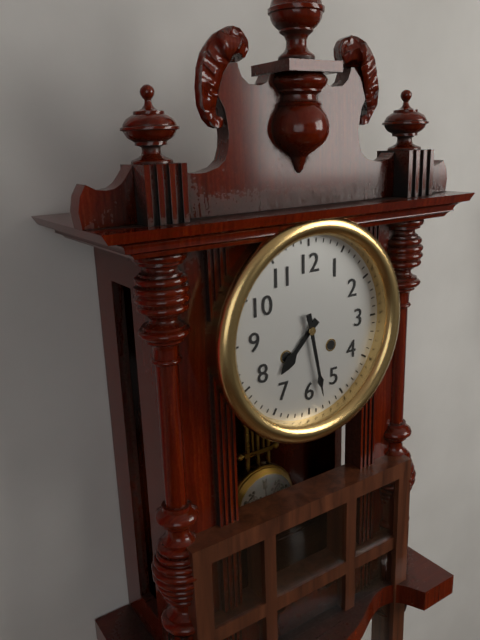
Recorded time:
{"hour": 7, "minute": 28}
